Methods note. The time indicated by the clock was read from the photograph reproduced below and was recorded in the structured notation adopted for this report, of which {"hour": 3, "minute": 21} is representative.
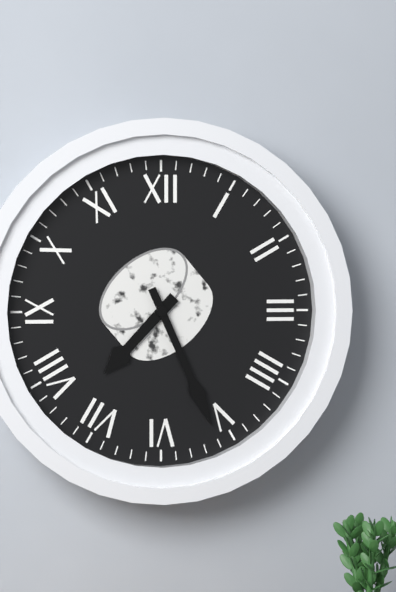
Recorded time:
{"hour": 7, "minute": 26}
